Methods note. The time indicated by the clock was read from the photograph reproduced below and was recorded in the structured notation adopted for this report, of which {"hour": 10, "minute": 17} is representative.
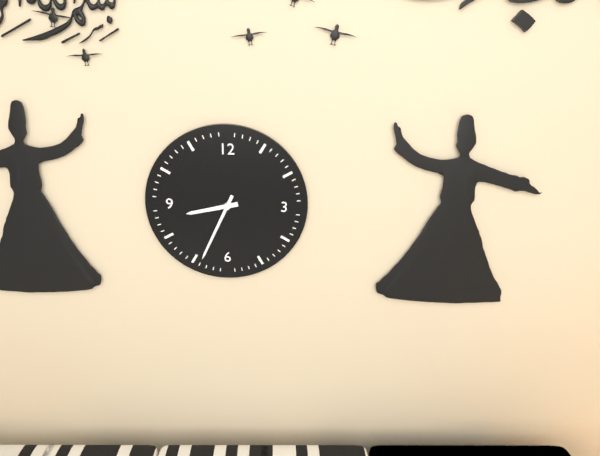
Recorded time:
{"hour": 8, "minute": 34}
